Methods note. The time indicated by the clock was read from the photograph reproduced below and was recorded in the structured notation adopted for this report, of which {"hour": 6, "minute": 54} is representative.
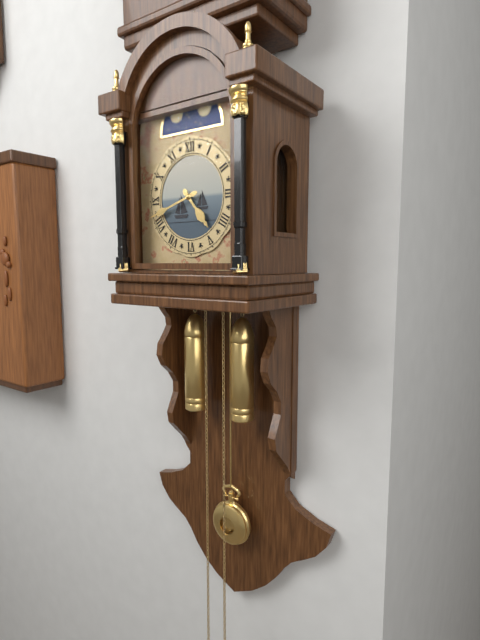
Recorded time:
{"hour": 4, "minute": 42}
